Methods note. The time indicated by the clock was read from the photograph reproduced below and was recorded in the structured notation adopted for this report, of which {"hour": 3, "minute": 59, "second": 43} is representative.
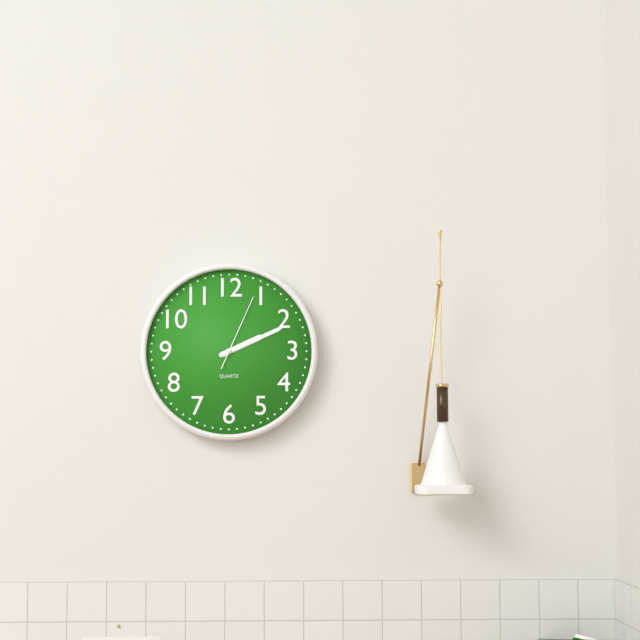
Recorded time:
{"hour": 2, "minute": 11, "second": 4}
